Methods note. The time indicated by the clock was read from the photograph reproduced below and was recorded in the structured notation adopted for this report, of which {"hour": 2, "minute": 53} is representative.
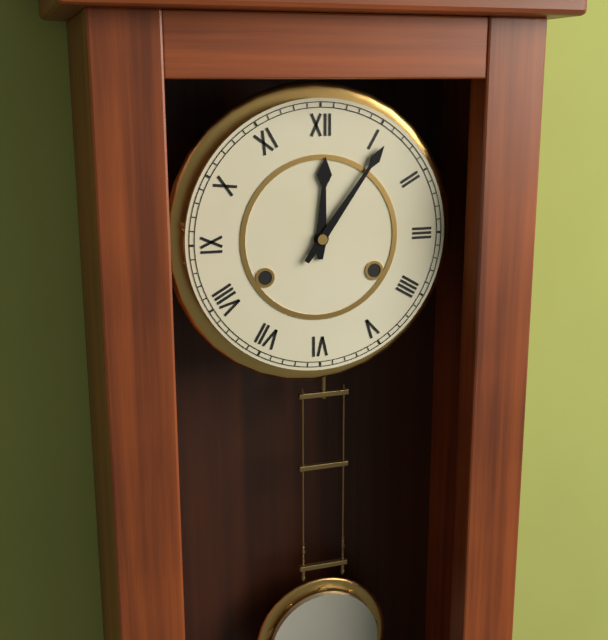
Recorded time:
{"hour": 12, "minute": 6}
